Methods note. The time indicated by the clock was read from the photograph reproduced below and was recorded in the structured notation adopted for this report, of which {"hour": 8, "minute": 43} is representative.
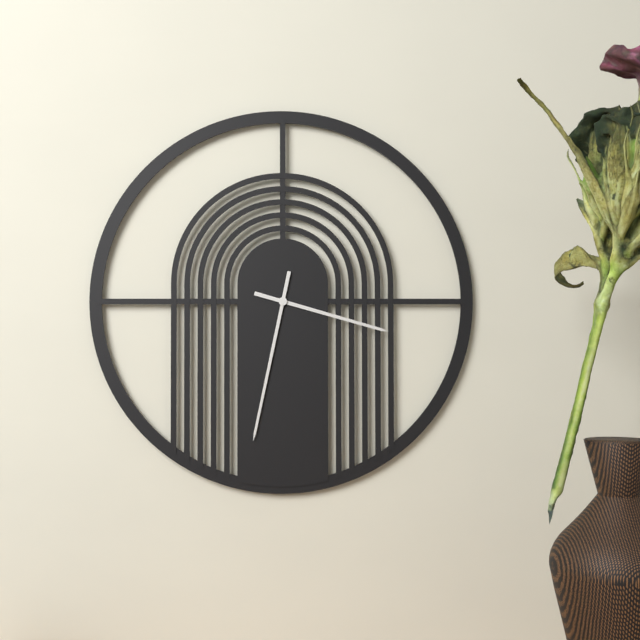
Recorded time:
{"hour": 3, "minute": 32}
